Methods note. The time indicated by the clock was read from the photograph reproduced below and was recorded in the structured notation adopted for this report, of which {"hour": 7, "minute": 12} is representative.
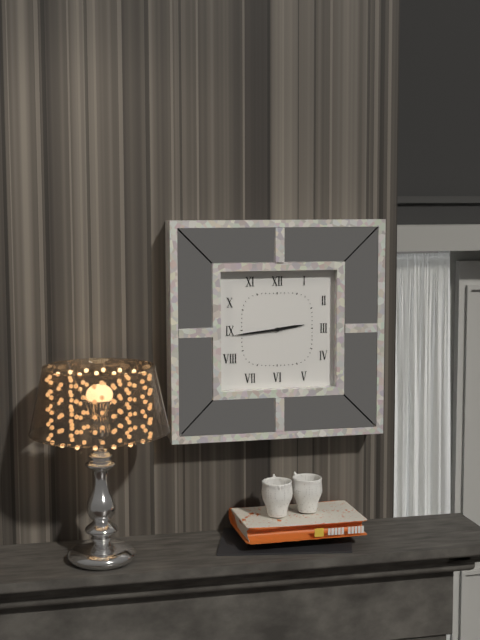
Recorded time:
{"hour": 2, "minute": 44}
